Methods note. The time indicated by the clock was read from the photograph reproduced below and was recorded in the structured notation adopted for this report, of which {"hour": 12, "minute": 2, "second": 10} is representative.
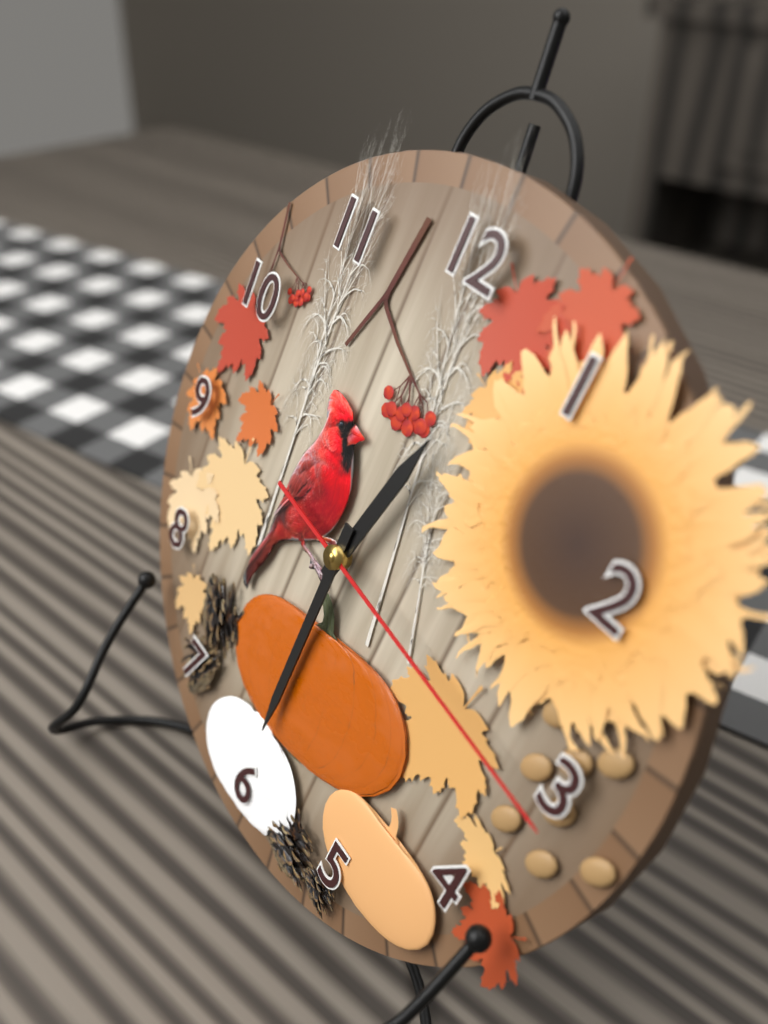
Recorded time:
{"hour": 12, "minute": 30, "second": 16}
